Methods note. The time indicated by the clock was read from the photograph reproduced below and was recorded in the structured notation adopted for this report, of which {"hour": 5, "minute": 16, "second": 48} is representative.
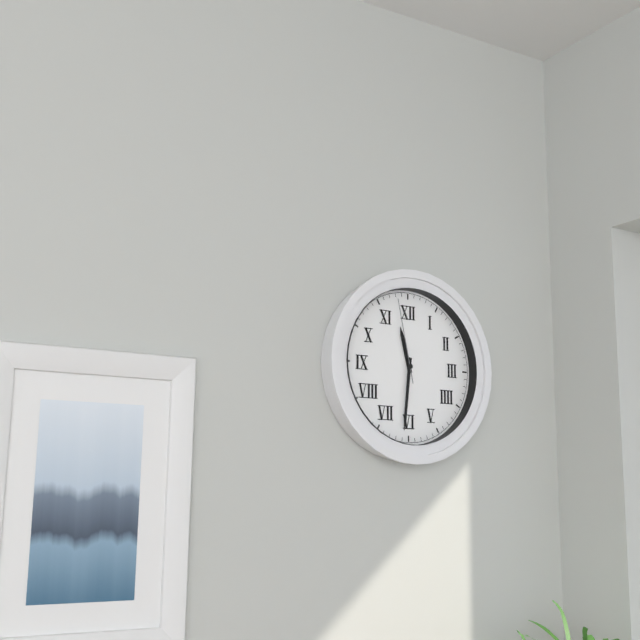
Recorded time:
{"hour": 11, "minute": 31, "second": 58}
